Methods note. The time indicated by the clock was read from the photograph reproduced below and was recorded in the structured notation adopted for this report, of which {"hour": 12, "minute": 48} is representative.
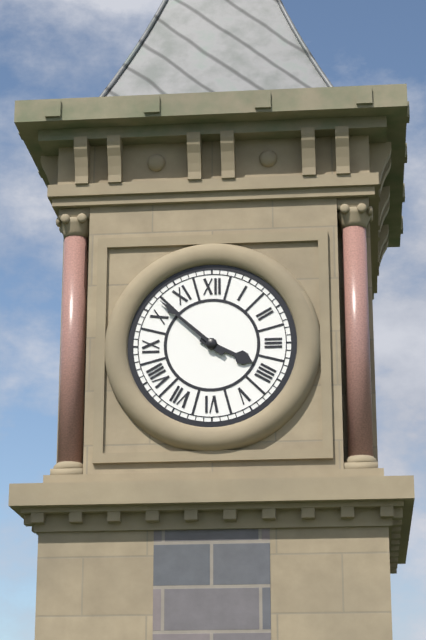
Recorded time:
{"hour": 3, "minute": 52}
